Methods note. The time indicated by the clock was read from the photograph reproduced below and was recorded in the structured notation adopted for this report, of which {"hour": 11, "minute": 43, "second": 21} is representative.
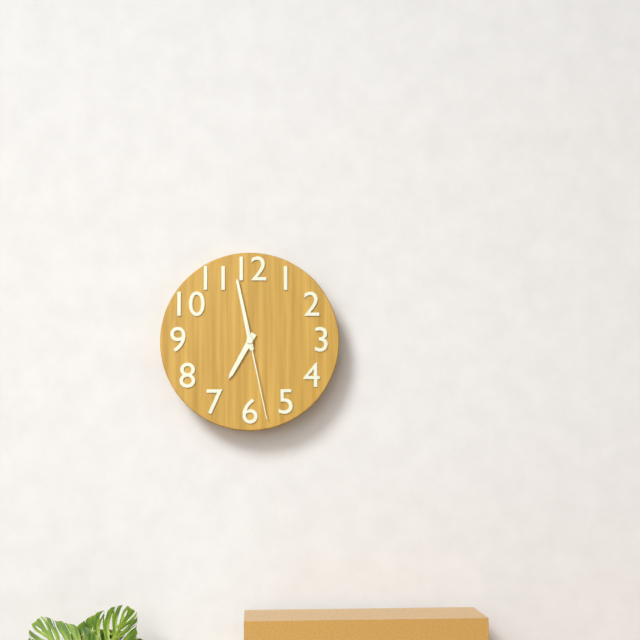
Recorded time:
{"hour": 6, "minute": 58, "second": 28}
